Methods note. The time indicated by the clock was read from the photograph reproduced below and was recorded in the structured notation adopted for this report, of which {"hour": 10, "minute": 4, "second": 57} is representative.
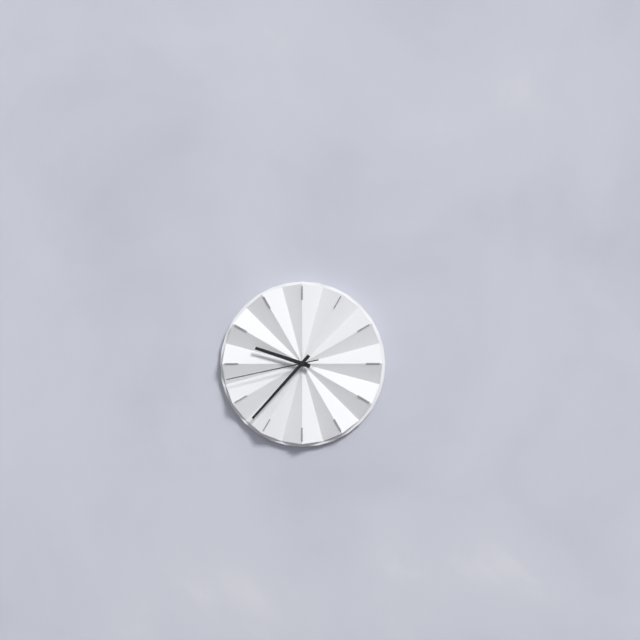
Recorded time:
{"hour": 9, "minute": 37, "second": 43}
